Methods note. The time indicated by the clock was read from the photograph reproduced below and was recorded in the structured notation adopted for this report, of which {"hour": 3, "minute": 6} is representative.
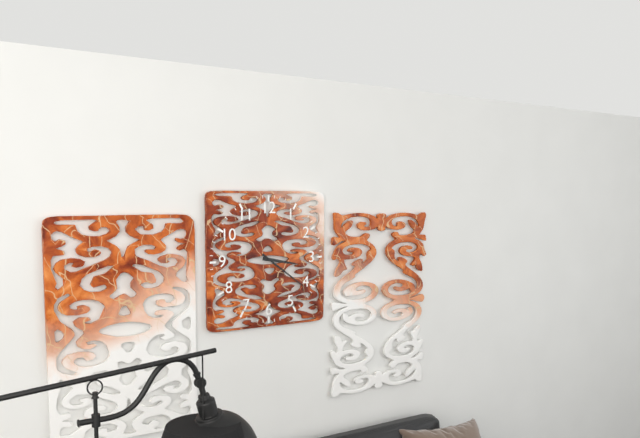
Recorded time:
{"hour": 3, "minute": 21}
